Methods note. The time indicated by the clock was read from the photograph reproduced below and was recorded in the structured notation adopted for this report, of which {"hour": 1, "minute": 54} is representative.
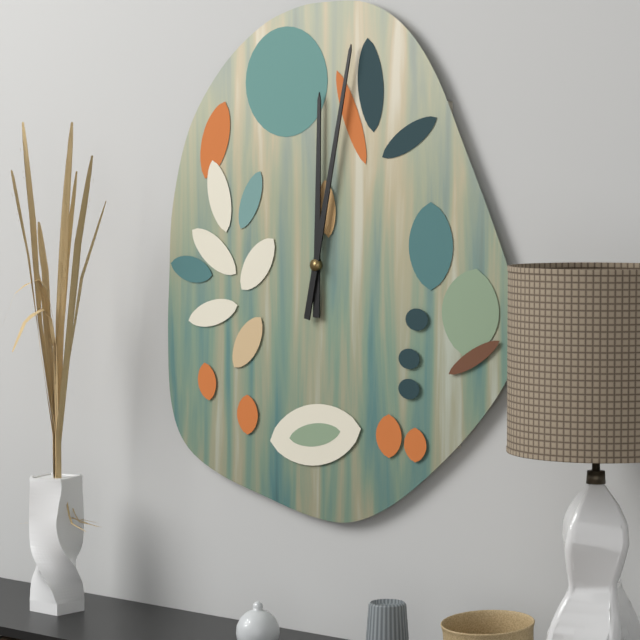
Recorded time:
{"hour": 12, "minute": 2}
